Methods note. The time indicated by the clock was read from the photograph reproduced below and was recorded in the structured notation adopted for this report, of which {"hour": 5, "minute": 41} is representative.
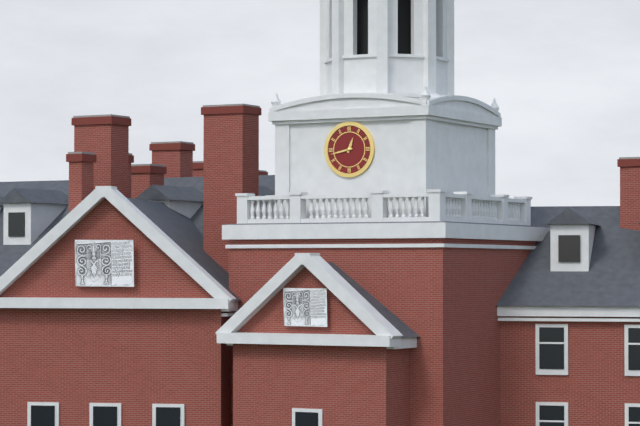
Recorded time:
{"hour": 12, "minute": 43}
